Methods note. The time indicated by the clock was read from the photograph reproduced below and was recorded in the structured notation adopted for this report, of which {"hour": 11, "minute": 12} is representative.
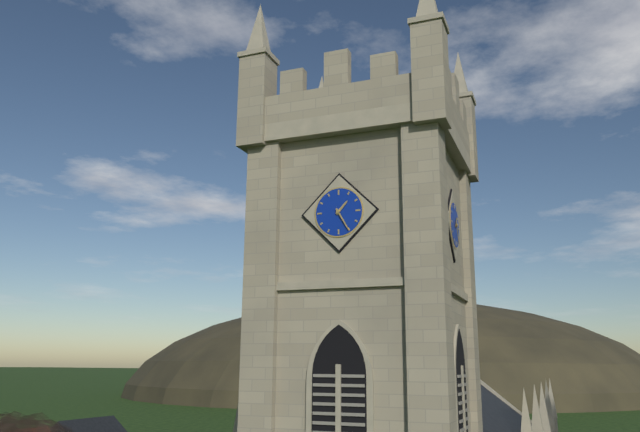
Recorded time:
{"hour": 1, "minute": 25}
